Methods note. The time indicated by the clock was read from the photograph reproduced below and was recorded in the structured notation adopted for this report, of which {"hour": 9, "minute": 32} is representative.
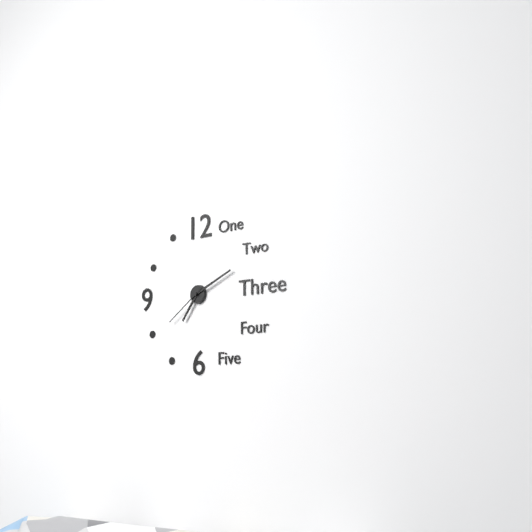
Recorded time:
{"hour": 7, "minute": 11}
